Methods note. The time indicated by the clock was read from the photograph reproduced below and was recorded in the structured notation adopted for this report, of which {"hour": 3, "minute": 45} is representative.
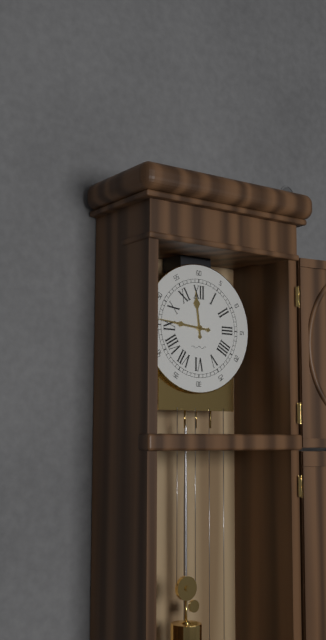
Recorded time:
{"hour": 11, "minute": 46}
